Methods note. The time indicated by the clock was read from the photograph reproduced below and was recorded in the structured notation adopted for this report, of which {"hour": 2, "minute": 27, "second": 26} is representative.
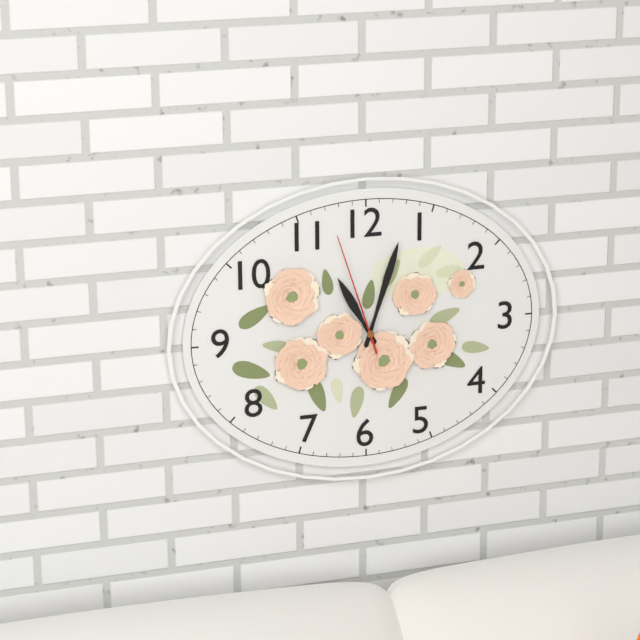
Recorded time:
{"hour": 11, "minute": 3, "second": 57}
